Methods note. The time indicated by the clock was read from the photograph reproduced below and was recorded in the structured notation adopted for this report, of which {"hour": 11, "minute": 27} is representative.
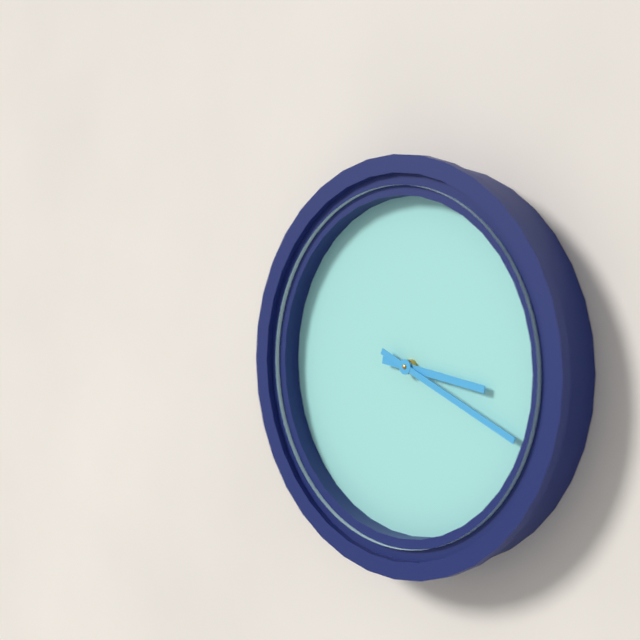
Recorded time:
{"hour": 3, "minute": 19}
